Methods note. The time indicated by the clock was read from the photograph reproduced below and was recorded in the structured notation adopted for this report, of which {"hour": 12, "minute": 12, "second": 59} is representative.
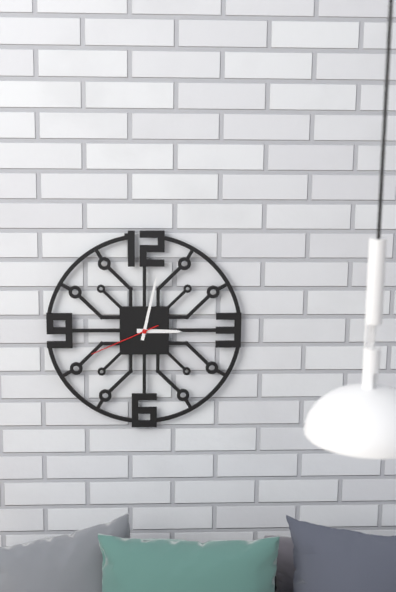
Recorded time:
{"hour": 3, "minute": 2, "second": 41}
